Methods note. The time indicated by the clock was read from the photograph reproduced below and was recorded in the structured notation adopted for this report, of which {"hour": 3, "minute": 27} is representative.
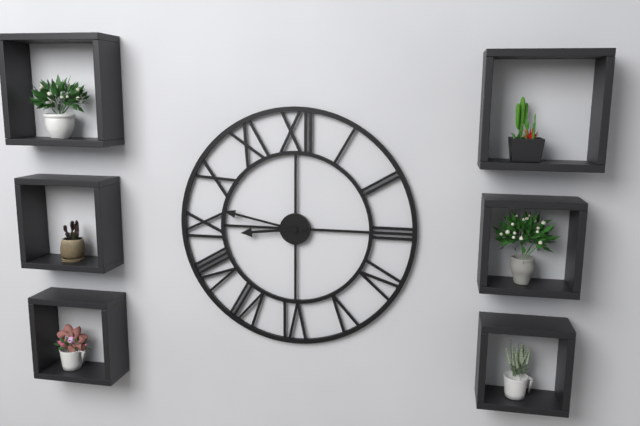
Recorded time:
{"hour": 8, "minute": 47}
